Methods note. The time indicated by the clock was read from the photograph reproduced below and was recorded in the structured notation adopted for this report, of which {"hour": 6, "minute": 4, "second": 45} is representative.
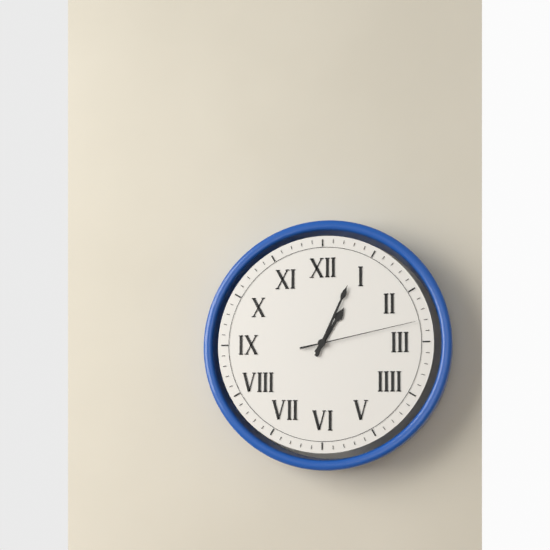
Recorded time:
{"hour": 1, "minute": 4, "second": 13}
